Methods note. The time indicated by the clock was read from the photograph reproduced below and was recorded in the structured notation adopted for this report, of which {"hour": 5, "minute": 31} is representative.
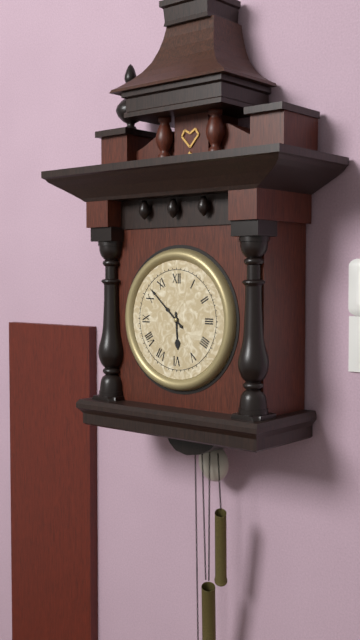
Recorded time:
{"hour": 5, "minute": 52}
